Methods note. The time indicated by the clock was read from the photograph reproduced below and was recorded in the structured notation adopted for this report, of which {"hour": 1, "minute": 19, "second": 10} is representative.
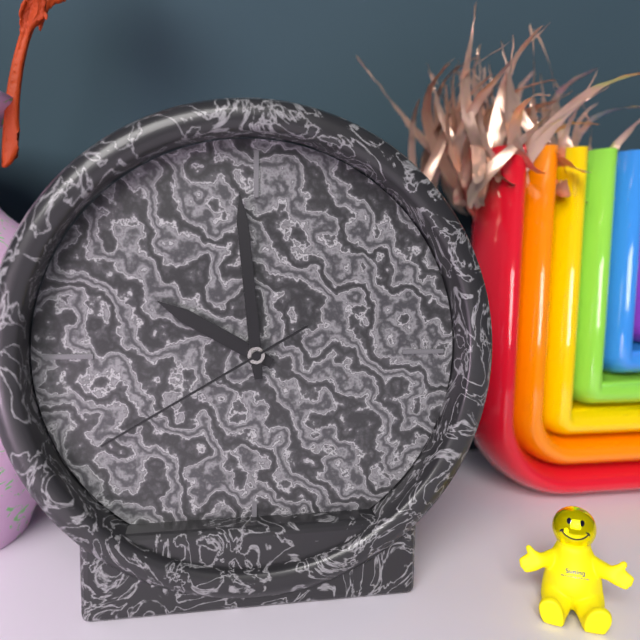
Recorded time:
{"hour": 9, "minute": 59, "second": 40}
